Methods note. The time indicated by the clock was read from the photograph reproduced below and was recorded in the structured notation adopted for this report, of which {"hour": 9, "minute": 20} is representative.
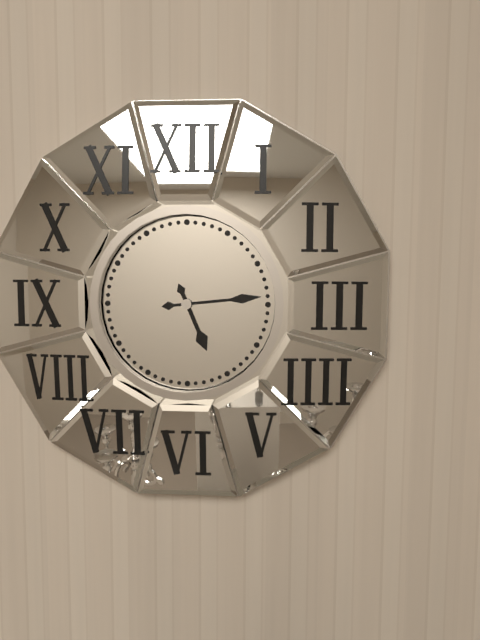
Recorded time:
{"hour": 5, "minute": 14}
